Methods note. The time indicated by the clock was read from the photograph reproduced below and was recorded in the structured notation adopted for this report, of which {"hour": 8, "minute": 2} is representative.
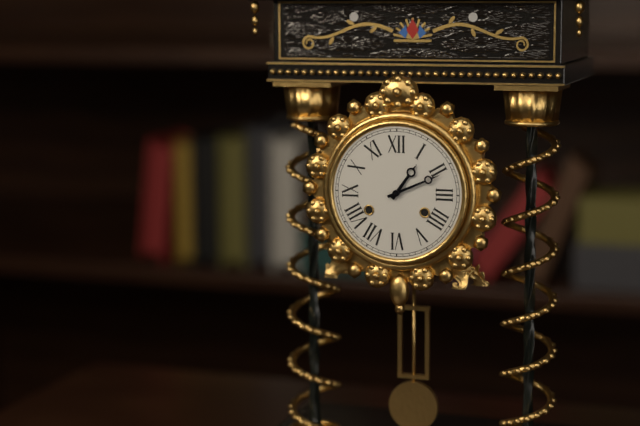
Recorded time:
{"hour": 1, "minute": 11}
